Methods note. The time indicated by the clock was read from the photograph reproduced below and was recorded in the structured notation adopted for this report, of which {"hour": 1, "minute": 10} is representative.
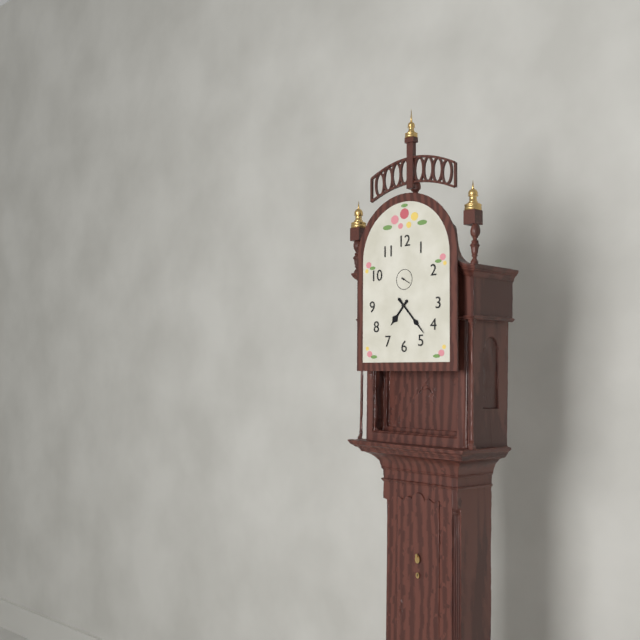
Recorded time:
{"hour": 7, "minute": 23}
